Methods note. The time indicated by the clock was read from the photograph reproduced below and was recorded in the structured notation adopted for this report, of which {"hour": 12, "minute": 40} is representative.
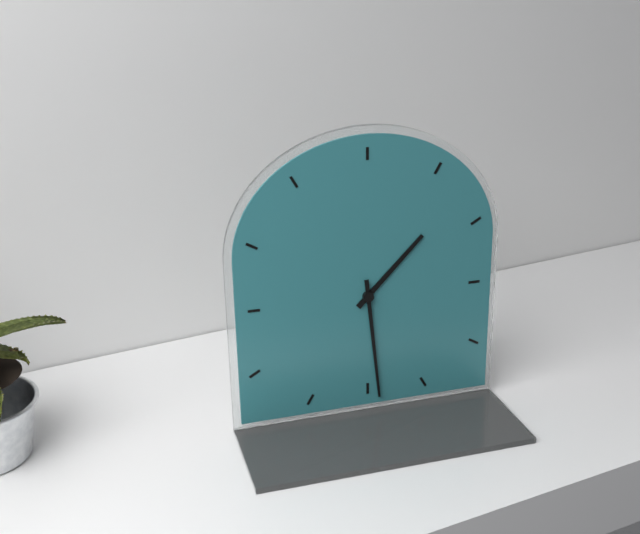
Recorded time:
{"hour": 1, "minute": 29}
